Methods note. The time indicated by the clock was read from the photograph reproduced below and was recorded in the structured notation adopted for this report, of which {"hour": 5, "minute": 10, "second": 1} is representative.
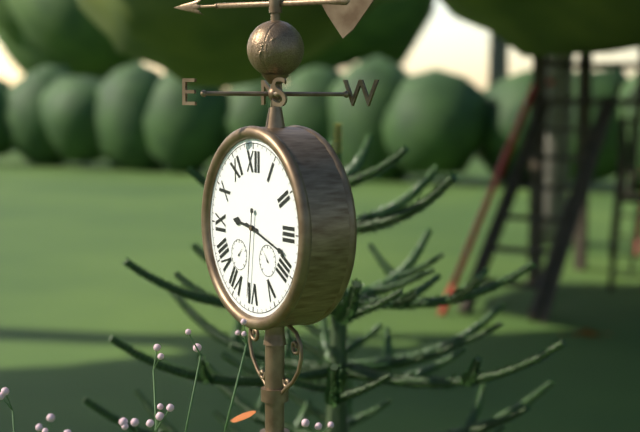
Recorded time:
{"hour": 9, "minute": 18, "second": 31}
